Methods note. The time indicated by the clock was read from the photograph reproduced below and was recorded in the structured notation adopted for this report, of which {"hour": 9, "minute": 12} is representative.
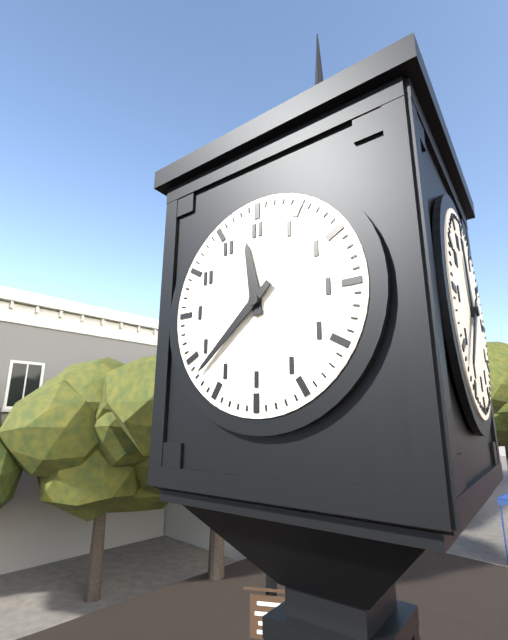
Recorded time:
{"hour": 11, "minute": 38}
